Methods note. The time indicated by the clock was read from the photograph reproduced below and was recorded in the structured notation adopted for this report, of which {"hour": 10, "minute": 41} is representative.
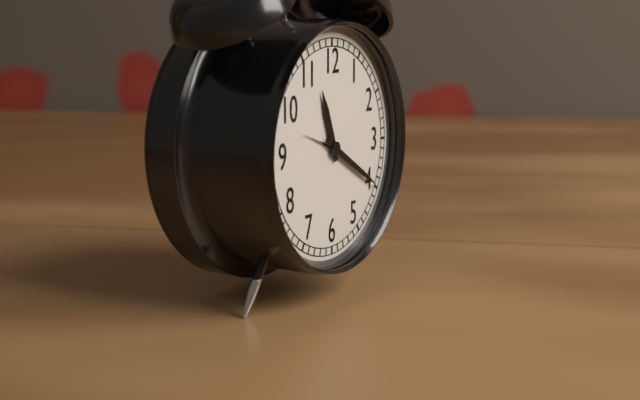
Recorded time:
{"hour": 11, "minute": 20}
